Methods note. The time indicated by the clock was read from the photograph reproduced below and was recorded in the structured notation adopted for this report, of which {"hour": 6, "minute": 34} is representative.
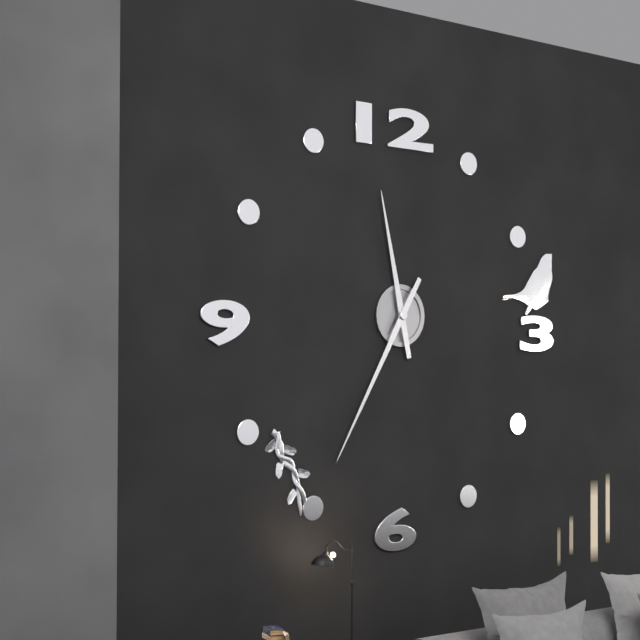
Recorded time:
{"hour": 11, "minute": 35}
